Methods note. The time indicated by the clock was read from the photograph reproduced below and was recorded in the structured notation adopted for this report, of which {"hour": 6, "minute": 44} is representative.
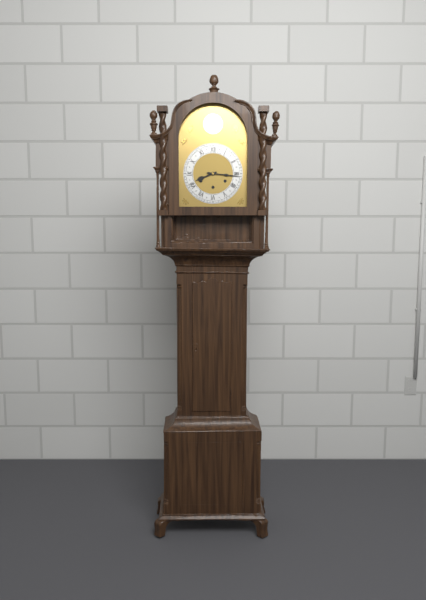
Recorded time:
{"hour": 8, "minute": 16}
